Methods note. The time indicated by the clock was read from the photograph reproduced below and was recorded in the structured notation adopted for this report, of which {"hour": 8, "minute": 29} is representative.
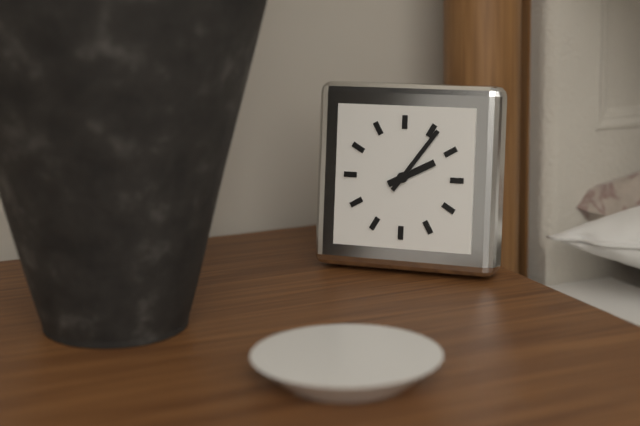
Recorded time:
{"hour": 2, "minute": 6}
